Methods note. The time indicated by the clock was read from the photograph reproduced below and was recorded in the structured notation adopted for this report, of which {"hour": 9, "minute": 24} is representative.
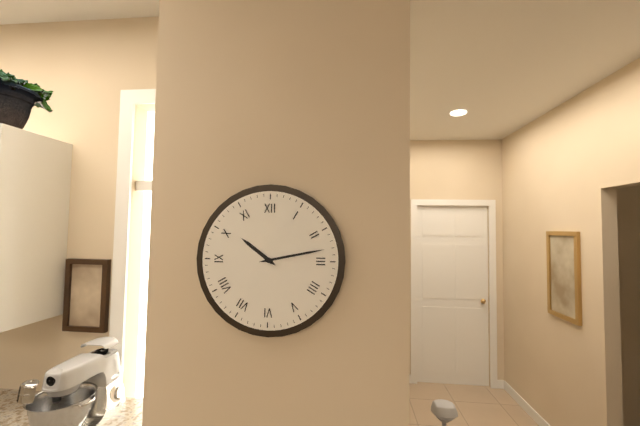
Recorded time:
{"hour": 10, "minute": 13}
